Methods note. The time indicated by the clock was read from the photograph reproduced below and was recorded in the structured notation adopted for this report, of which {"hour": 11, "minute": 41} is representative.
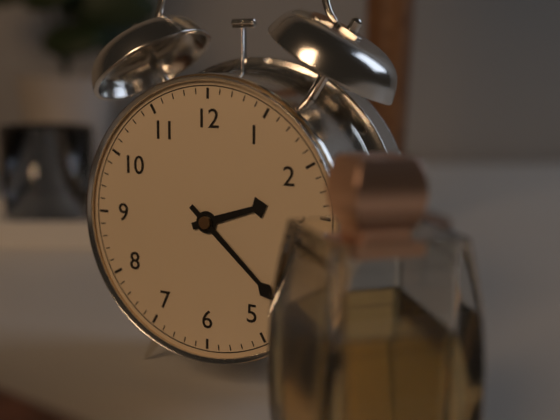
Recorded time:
{"hour": 2, "minute": 22}
